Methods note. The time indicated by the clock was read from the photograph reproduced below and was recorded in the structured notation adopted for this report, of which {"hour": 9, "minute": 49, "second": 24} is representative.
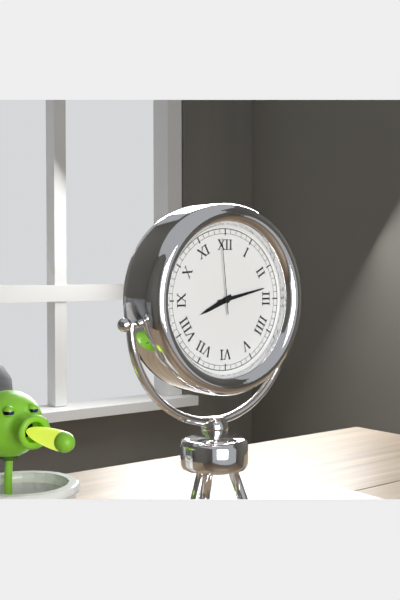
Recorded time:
{"hour": 8, "minute": 13, "second": 59}
